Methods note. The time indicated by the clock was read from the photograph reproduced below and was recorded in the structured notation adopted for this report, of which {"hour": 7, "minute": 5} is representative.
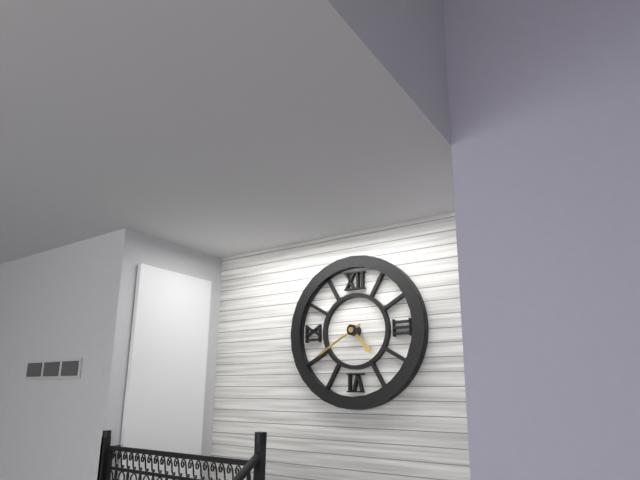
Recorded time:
{"hour": 4, "minute": 40}
